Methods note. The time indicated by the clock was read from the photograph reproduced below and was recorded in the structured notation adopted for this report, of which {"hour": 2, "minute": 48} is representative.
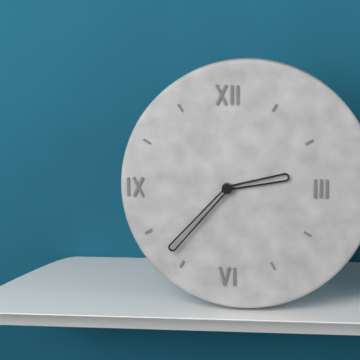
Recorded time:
{"hour": 2, "minute": 37}
